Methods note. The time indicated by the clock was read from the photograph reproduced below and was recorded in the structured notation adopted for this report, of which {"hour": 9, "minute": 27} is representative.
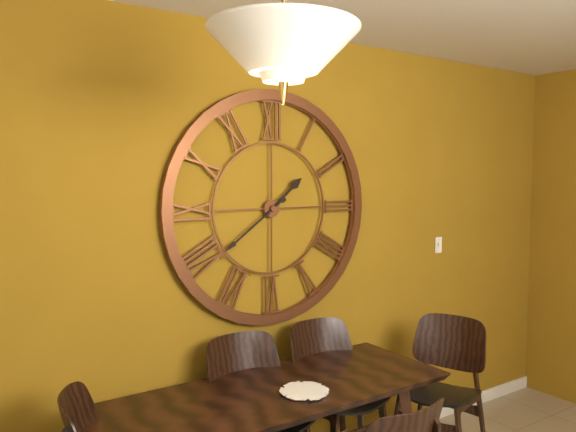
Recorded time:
{"hour": 1, "minute": 39}
